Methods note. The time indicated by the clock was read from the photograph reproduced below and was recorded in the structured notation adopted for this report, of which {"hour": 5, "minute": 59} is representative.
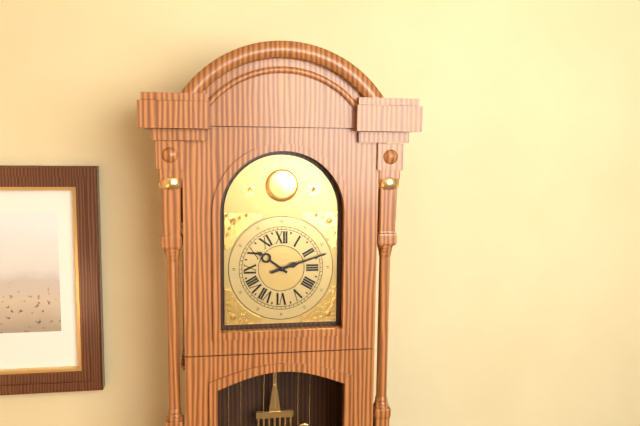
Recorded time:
{"hour": 10, "minute": 12}
